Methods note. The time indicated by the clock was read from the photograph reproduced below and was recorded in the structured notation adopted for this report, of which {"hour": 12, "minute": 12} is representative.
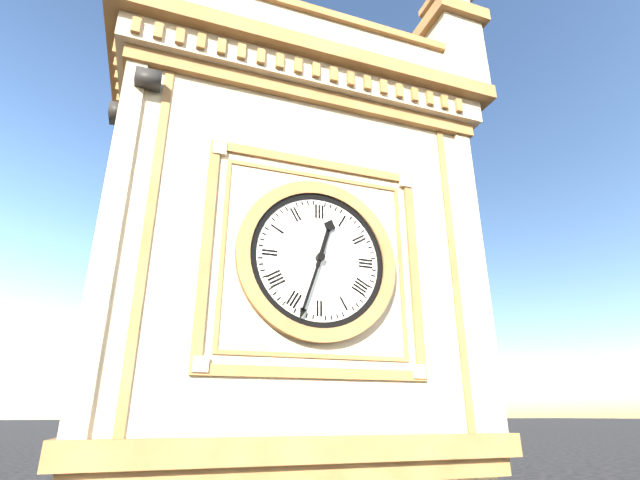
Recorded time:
{"hour": 12, "minute": 33}
